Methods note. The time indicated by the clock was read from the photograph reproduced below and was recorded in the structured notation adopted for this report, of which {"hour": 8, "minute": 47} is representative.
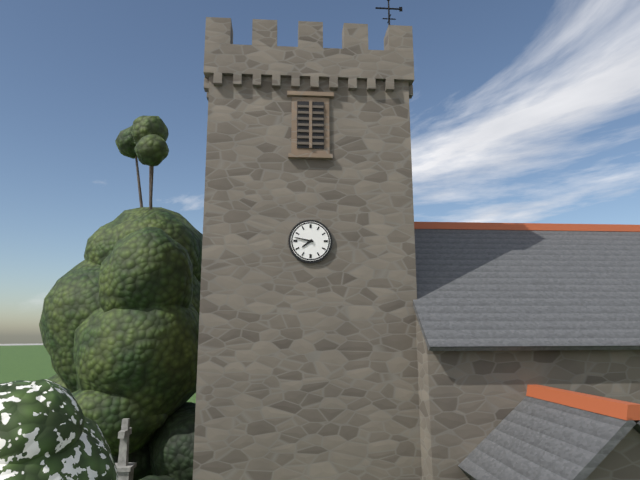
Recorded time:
{"hour": 7, "minute": 47}
